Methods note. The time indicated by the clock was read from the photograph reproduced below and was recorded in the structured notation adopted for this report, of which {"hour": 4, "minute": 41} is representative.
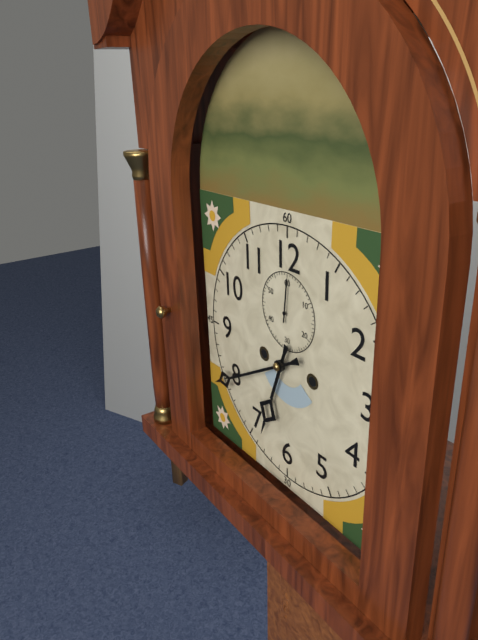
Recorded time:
{"hour": 6, "minute": 40}
